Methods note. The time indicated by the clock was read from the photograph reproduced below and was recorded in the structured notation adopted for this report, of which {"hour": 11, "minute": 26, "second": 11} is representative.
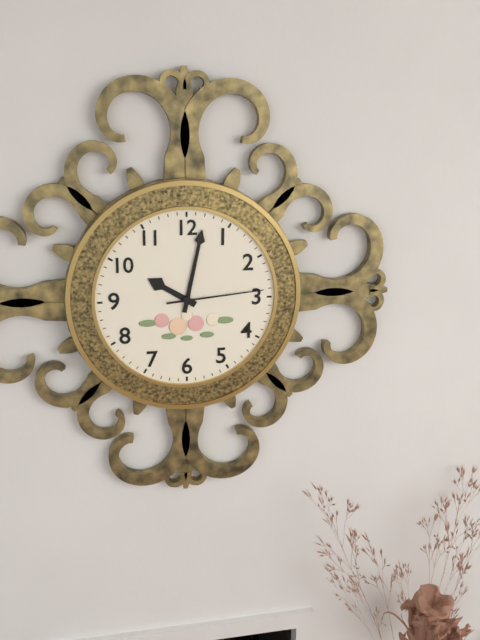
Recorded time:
{"hour": 10, "minute": 2, "second": 14}
